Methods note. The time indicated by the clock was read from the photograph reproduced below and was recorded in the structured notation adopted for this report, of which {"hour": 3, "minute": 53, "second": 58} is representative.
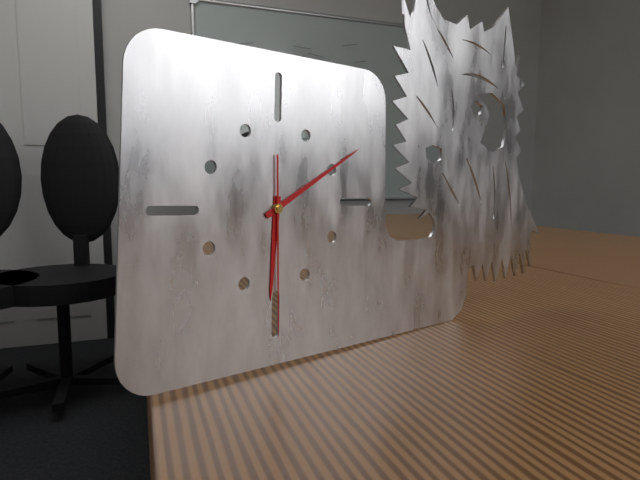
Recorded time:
{"hour": 6, "minute": 10, "second": 30}
